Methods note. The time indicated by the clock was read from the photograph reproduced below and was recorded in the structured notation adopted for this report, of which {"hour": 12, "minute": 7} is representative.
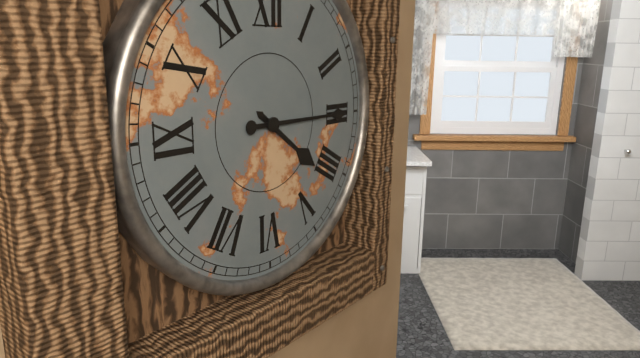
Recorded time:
{"hour": 4, "minute": 15}
